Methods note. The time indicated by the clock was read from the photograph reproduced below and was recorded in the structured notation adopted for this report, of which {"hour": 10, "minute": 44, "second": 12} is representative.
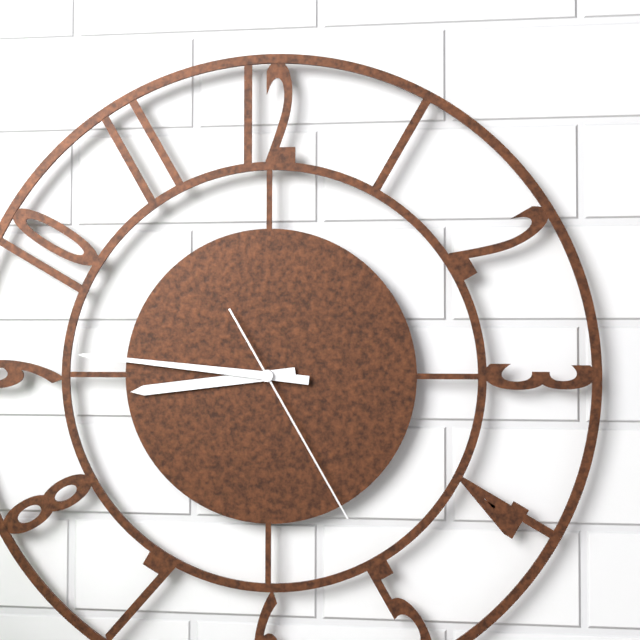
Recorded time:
{"hour": 8, "minute": 46, "second": 25}
